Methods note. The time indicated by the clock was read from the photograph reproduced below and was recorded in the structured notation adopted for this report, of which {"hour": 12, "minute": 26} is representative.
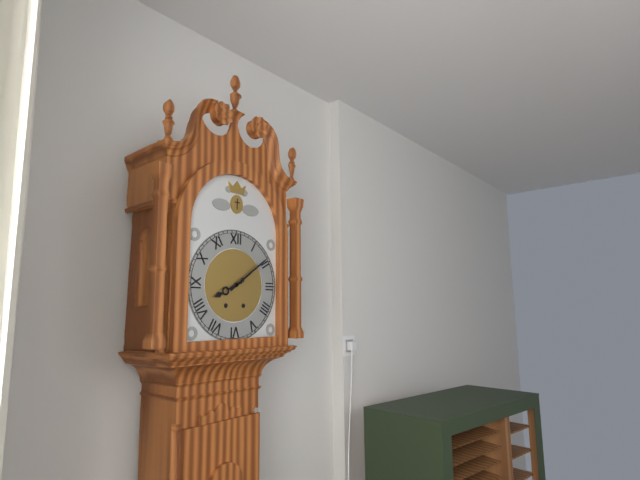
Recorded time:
{"hour": 8, "minute": 9}
